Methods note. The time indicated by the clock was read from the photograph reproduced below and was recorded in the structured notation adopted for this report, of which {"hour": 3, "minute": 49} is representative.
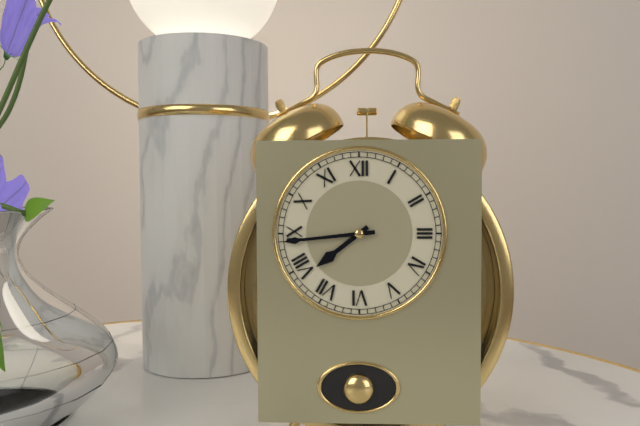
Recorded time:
{"hour": 7, "minute": 44}
